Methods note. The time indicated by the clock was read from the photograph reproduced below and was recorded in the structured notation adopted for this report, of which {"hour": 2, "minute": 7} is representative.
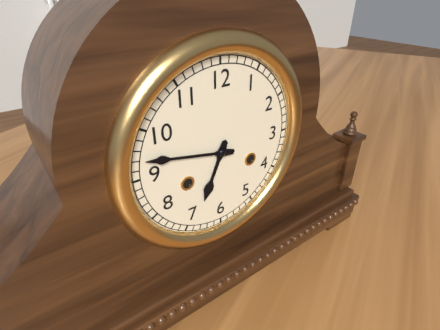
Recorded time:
{"hour": 6, "minute": 47}
